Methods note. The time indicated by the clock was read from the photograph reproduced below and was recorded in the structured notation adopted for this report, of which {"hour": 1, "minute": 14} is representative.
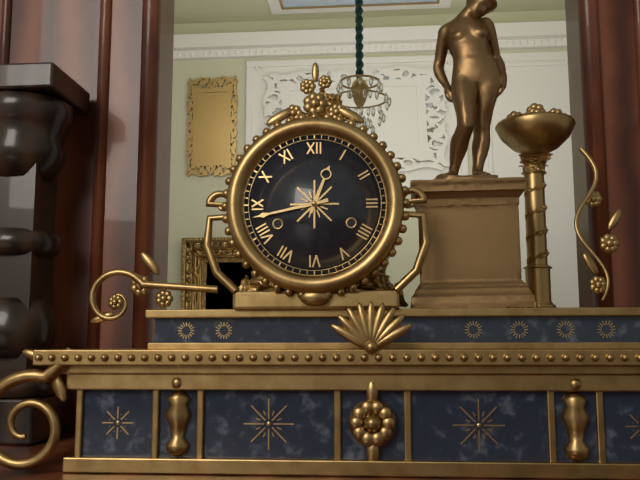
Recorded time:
{"hour": 12, "minute": 43}
